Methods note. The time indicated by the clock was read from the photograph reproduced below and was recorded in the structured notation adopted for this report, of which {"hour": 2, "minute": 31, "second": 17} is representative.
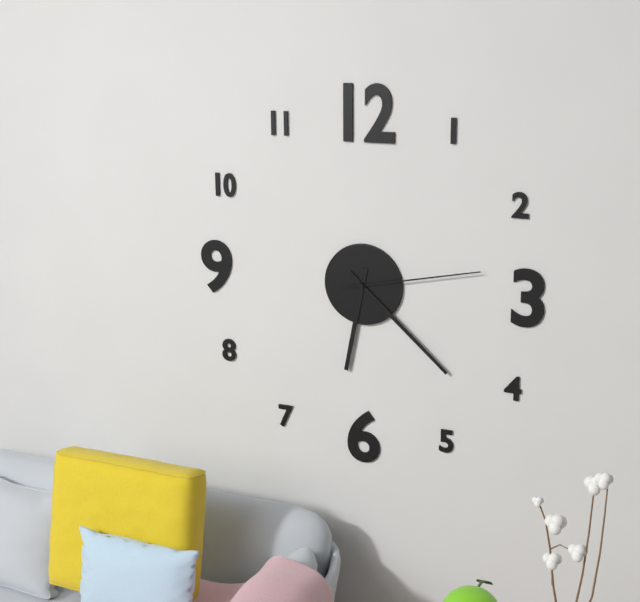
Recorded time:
{"hour": 6, "minute": 22, "second": 13}
